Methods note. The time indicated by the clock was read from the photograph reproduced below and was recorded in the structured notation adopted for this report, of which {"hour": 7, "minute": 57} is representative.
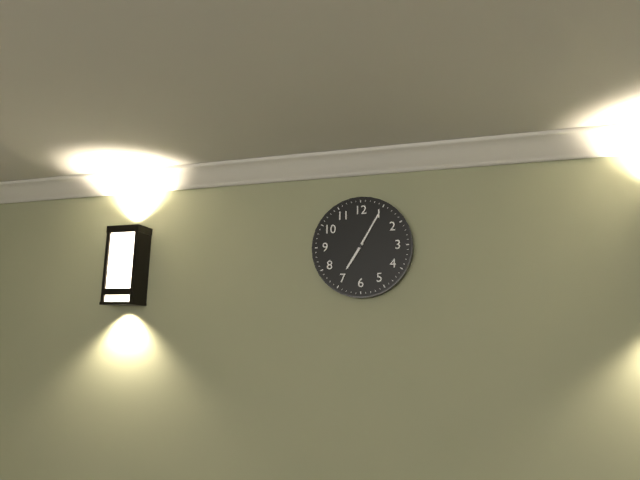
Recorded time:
{"hour": 7, "minute": 5}
